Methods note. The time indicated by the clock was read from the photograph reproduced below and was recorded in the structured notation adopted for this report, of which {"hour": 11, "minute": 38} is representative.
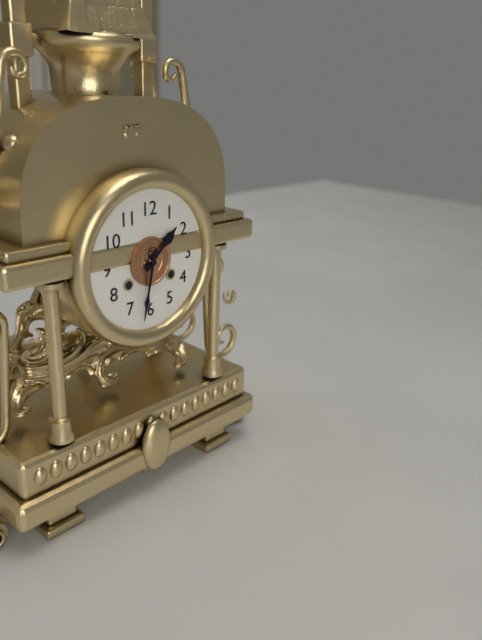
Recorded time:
{"hour": 1, "minute": 32}
